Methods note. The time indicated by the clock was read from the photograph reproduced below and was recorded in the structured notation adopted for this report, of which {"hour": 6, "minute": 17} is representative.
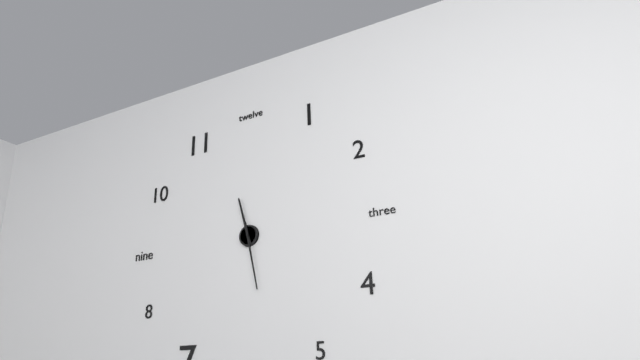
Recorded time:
{"hour": 11, "minute": 28}
